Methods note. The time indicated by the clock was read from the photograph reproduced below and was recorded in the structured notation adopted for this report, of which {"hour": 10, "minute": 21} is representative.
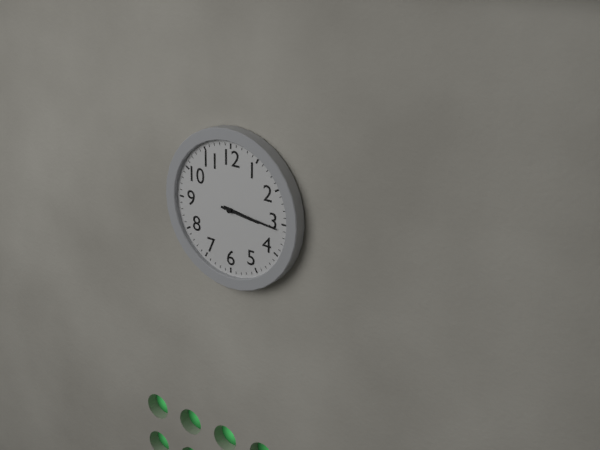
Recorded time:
{"hour": 3, "minute": 16}
